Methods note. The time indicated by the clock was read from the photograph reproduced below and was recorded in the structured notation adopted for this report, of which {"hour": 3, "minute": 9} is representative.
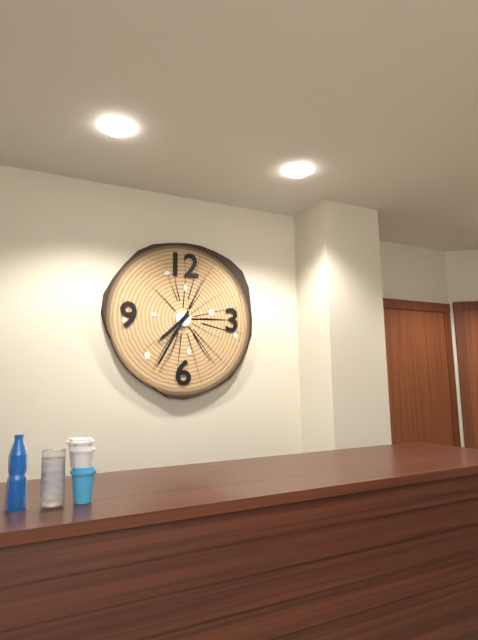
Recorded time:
{"hour": 7, "minute": 35}
